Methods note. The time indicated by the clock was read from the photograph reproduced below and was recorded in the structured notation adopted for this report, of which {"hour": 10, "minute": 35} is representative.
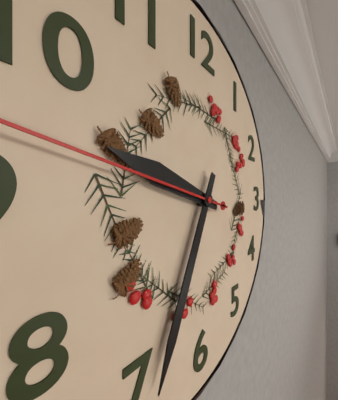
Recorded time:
{"hour": 9, "minute": 34}
